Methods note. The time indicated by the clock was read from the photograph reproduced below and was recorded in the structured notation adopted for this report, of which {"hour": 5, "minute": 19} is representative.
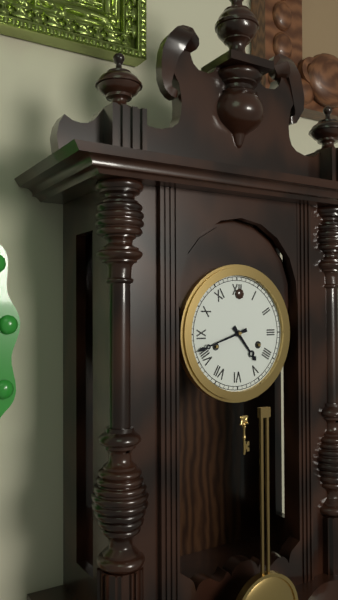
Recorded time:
{"hour": 4, "minute": 42}
